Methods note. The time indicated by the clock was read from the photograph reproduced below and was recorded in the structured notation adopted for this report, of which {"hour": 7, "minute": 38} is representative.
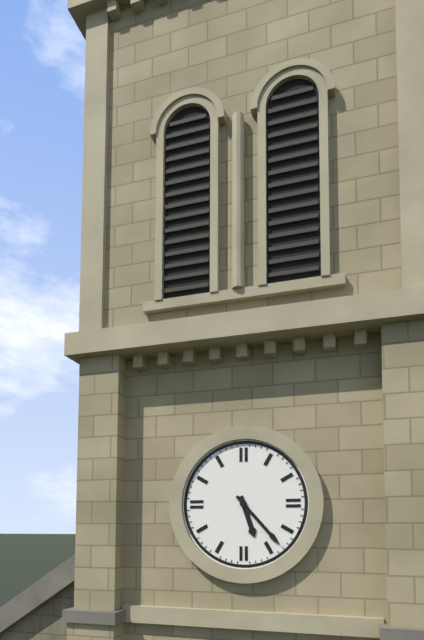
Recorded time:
{"hour": 5, "minute": 23}
